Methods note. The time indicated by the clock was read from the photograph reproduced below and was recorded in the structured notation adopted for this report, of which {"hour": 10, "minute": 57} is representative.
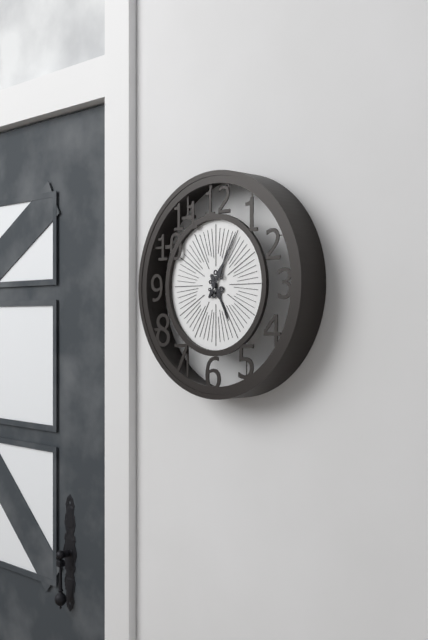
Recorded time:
{"hour": 5, "minute": 5}
